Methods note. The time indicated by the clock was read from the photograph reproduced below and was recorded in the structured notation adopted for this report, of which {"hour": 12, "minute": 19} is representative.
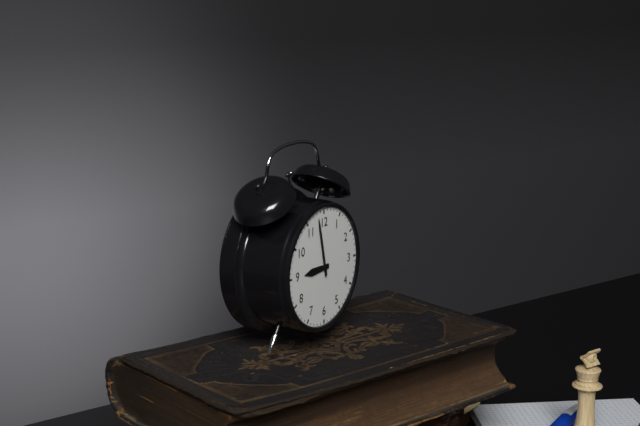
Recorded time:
{"hour": 8, "minute": 58}
